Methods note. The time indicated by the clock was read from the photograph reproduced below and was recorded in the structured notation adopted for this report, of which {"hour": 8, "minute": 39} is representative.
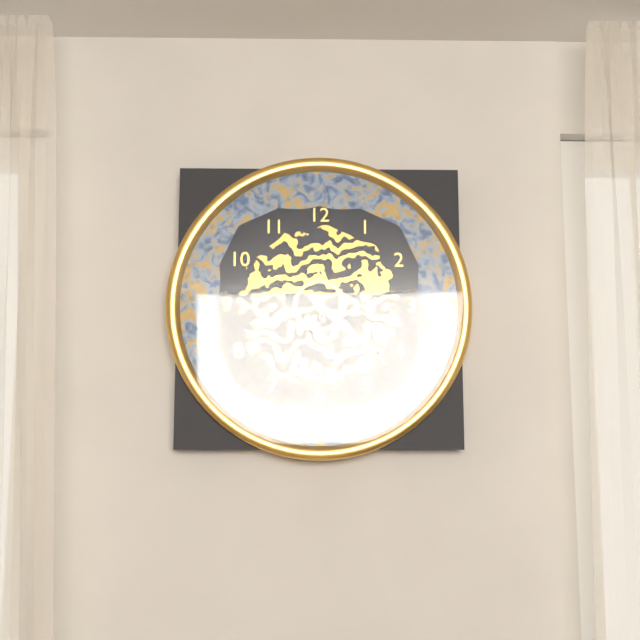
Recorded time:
{"hour": 4, "minute": 22}
